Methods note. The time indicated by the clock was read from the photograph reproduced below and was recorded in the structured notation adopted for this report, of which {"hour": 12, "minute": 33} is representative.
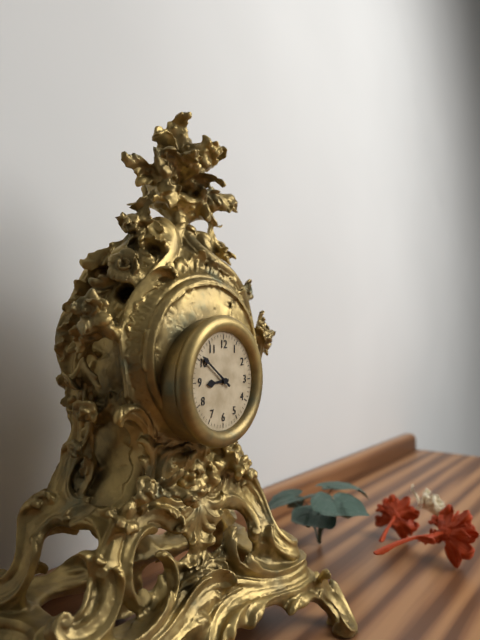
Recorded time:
{"hour": 8, "minute": 51}
